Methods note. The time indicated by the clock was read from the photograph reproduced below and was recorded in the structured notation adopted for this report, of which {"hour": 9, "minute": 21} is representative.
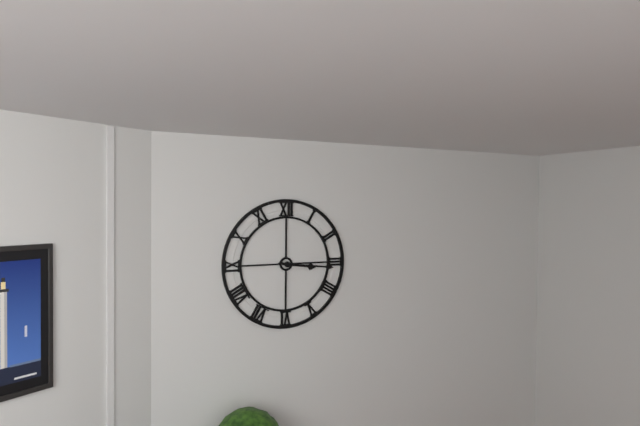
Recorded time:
{"hour": 3, "minute": 16}
